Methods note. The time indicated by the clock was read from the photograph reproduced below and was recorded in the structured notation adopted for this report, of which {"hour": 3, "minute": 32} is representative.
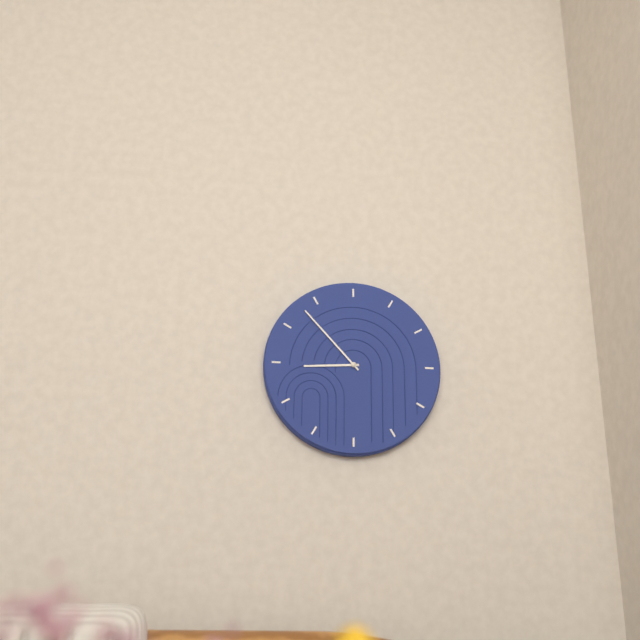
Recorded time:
{"hour": 8, "minute": 53}
